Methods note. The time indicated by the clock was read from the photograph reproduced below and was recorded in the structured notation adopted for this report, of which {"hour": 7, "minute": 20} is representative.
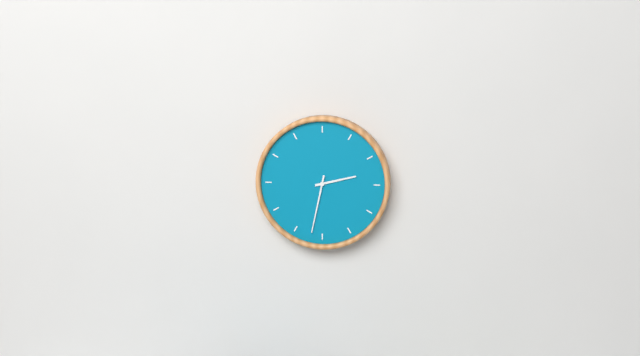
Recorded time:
{"hour": 2, "minute": 32}
